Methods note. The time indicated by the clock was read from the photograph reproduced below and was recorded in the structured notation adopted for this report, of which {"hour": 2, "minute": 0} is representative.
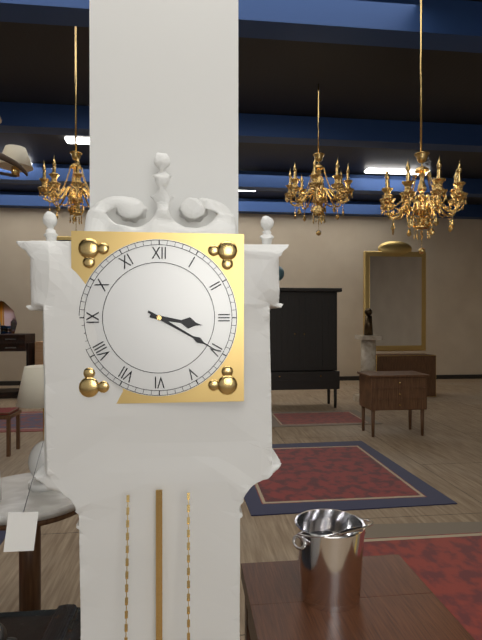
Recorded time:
{"hour": 3, "minute": 20}
